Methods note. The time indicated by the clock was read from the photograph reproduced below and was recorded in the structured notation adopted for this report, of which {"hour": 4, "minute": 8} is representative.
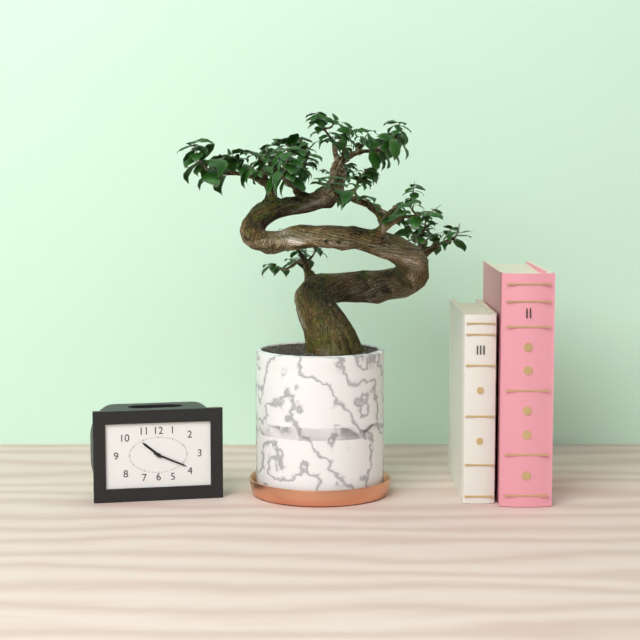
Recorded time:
{"hour": 10, "minute": 19}
